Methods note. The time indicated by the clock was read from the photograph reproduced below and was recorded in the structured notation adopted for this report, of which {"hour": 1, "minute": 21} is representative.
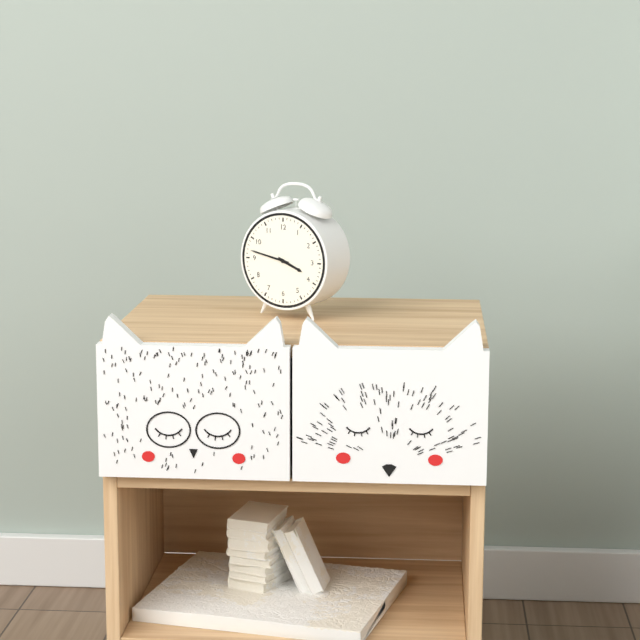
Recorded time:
{"hour": 3, "minute": 47}
